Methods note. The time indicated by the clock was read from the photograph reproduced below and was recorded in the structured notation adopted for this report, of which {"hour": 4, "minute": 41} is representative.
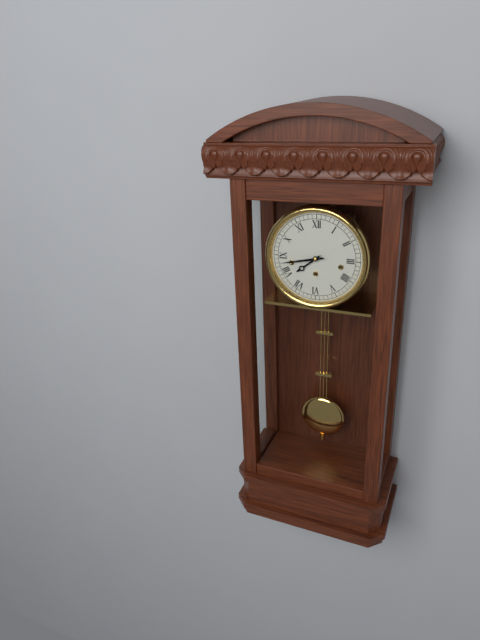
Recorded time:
{"hour": 7, "minute": 43}
